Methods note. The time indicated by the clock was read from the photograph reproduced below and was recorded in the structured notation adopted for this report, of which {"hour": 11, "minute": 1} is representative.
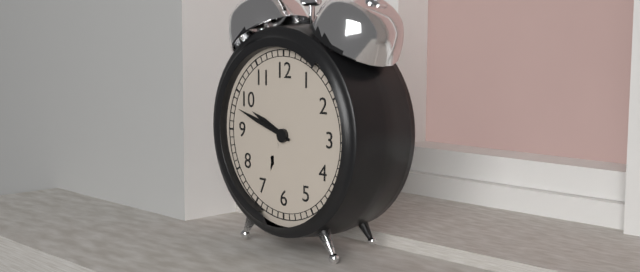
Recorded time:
{"hour": 9, "minute": 48}
